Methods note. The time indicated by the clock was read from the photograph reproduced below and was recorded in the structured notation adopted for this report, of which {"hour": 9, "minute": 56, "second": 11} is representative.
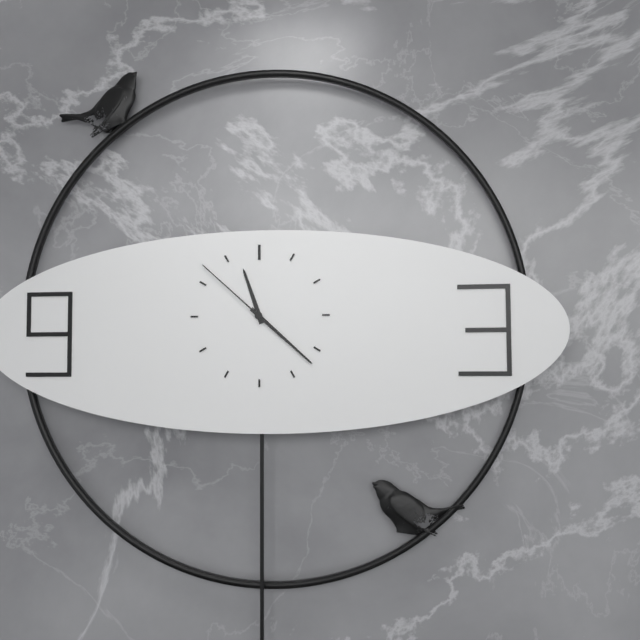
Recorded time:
{"hour": 11, "minute": 22, "second": 52}
